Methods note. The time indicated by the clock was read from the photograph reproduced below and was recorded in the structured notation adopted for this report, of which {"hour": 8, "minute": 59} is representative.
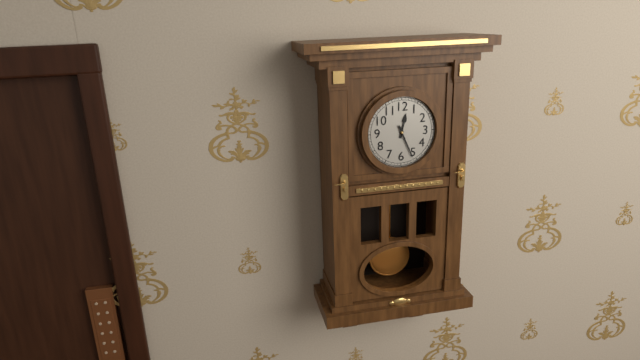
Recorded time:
{"hour": 12, "minute": 26}
